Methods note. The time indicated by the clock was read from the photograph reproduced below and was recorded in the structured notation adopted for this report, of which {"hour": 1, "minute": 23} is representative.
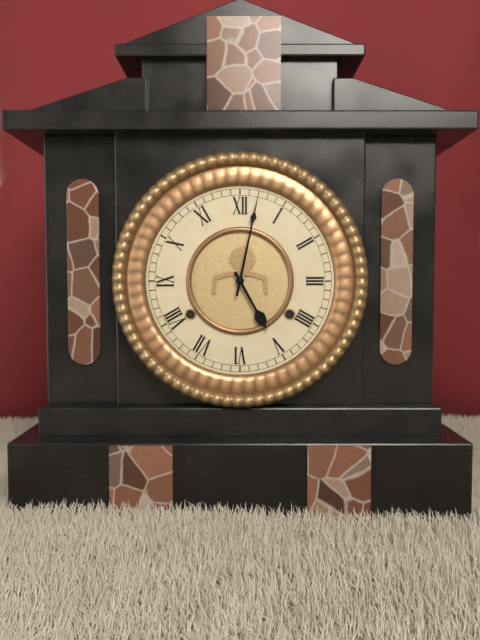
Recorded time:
{"hour": 5, "minute": 2}
